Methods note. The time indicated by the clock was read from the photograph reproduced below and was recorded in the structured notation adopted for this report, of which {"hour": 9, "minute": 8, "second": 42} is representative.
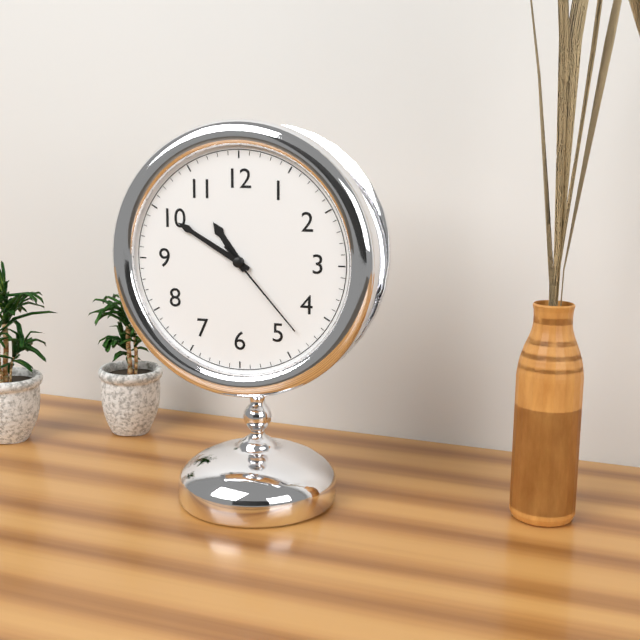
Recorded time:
{"hour": 10, "minute": 50, "second": 23}
